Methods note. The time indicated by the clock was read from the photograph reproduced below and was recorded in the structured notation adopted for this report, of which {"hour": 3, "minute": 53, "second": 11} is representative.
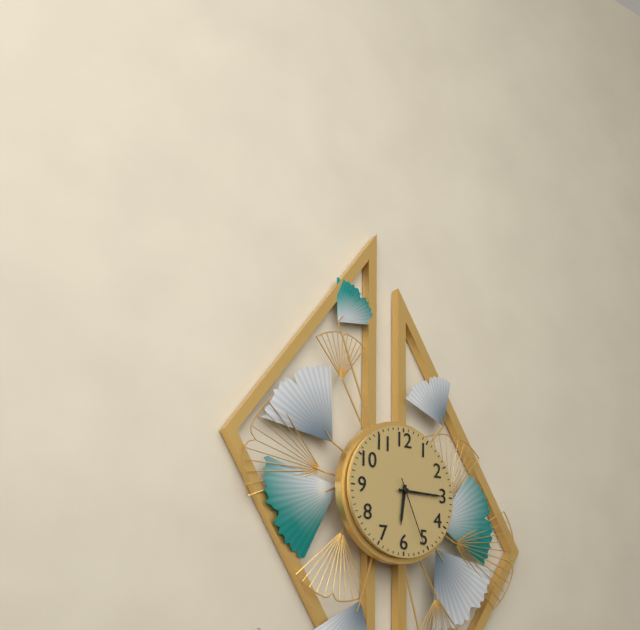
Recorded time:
{"hour": 6, "minute": 15, "second": 26}
